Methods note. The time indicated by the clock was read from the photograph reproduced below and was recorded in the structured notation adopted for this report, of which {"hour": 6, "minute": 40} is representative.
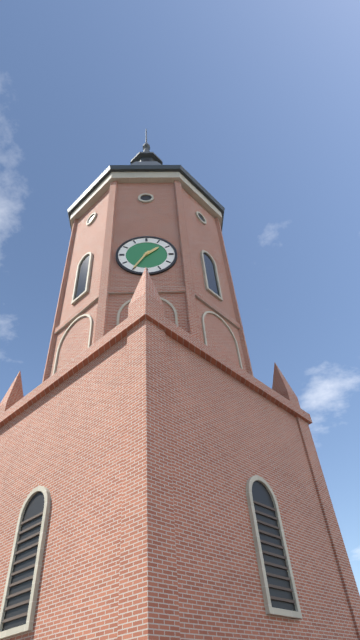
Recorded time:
{"hour": 1, "minute": 35}
